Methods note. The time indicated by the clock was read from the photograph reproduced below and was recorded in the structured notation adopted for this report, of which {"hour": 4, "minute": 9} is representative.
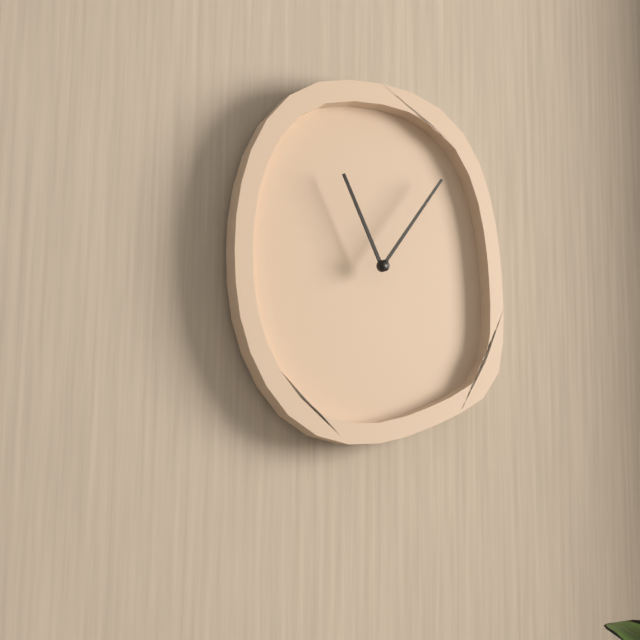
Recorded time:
{"hour": 11, "minute": 6}
